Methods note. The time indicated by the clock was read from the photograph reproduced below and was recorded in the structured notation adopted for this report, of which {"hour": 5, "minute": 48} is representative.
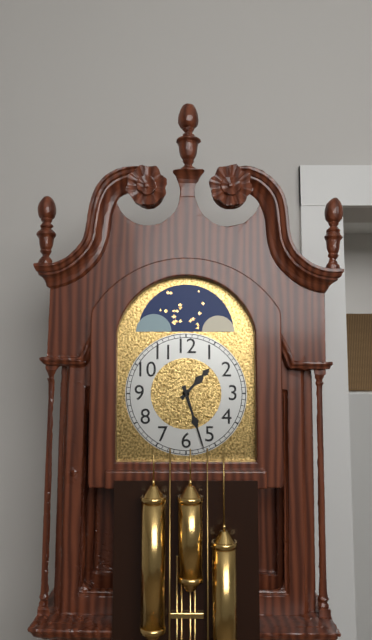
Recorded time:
{"hour": 1, "minute": 27}
